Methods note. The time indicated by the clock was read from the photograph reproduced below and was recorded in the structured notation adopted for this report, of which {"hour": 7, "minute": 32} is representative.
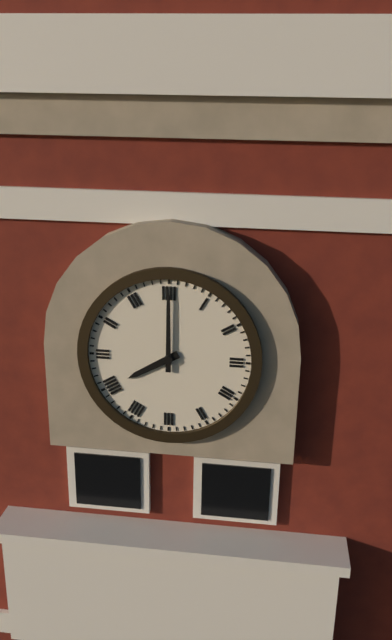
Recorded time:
{"hour": 8, "minute": 0}
